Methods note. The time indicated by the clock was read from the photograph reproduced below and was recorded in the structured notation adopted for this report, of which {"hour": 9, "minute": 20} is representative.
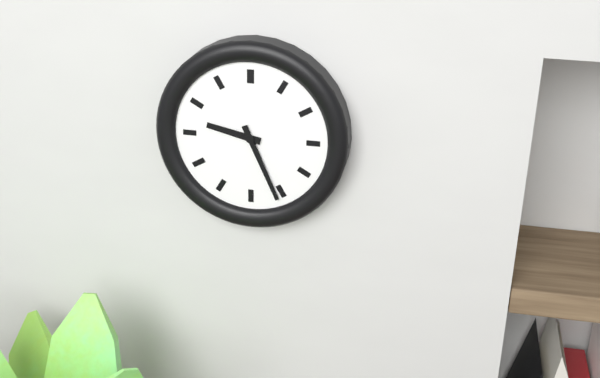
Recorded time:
{"hour": 9, "minute": 26}
